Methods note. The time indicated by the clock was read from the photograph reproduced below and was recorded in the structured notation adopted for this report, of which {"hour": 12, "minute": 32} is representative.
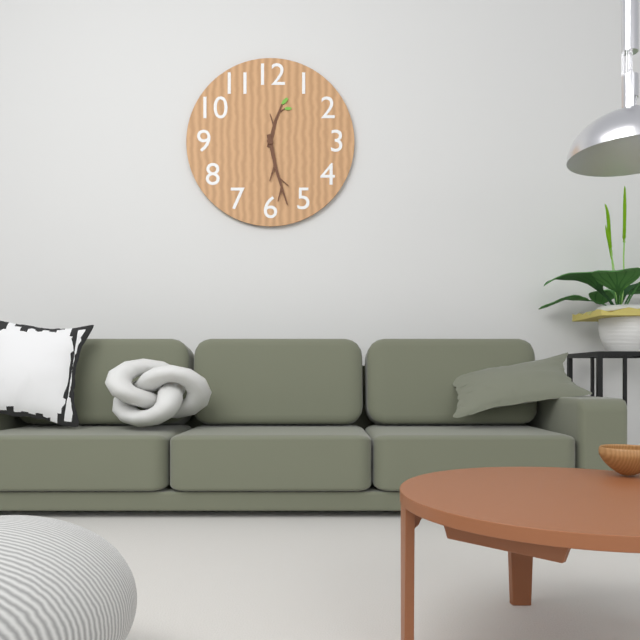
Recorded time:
{"hour": 12, "minute": 28}
